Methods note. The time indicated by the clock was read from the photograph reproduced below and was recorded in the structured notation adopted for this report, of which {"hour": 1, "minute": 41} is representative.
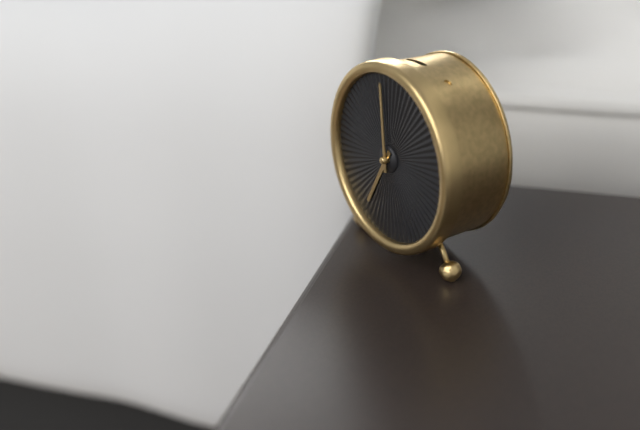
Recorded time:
{"hour": 6, "minute": 59}
